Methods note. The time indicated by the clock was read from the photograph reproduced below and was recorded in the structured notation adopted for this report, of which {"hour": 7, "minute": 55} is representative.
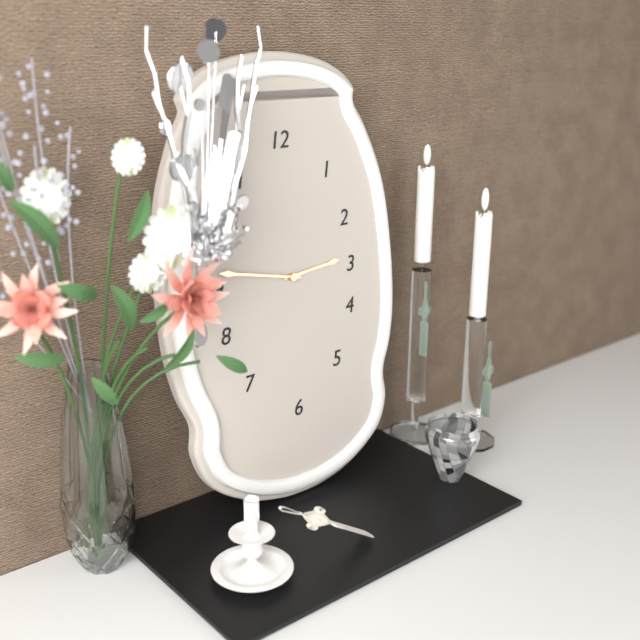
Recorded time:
{"hour": 2, "minute": 47}
